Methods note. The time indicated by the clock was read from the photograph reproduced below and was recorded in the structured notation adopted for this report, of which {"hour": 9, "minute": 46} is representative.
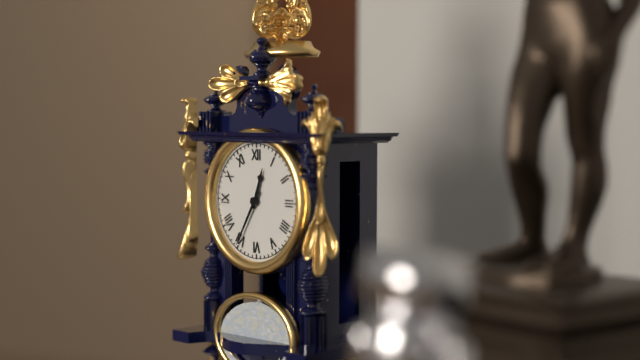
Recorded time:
{"hour": 12, "minute": 35}
